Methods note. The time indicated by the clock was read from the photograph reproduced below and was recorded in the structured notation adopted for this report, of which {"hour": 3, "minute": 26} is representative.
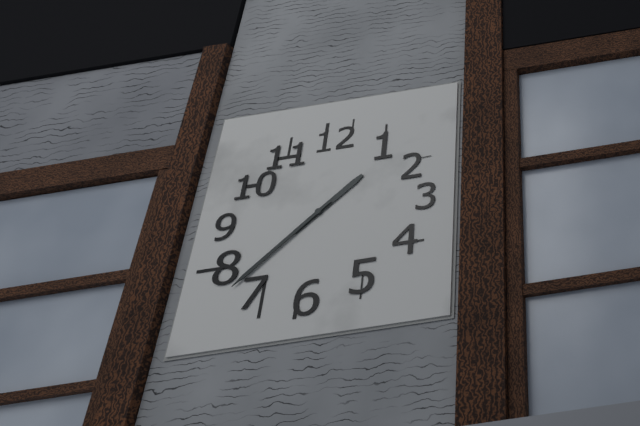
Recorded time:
{"hour": 1, "minute": 38}
